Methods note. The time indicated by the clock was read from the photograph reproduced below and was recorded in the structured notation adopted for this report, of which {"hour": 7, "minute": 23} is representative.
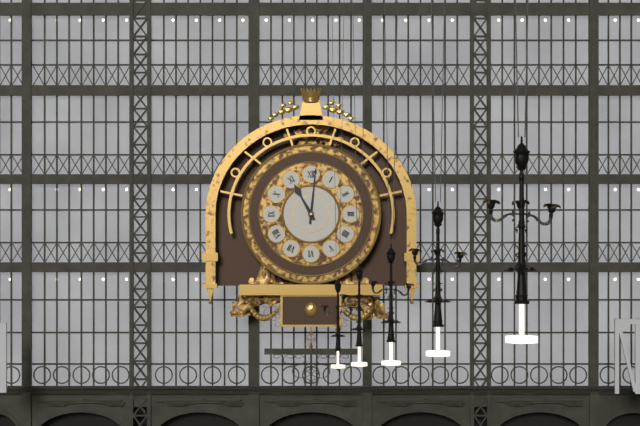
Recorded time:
{"hour": 11, "minute": 1}
